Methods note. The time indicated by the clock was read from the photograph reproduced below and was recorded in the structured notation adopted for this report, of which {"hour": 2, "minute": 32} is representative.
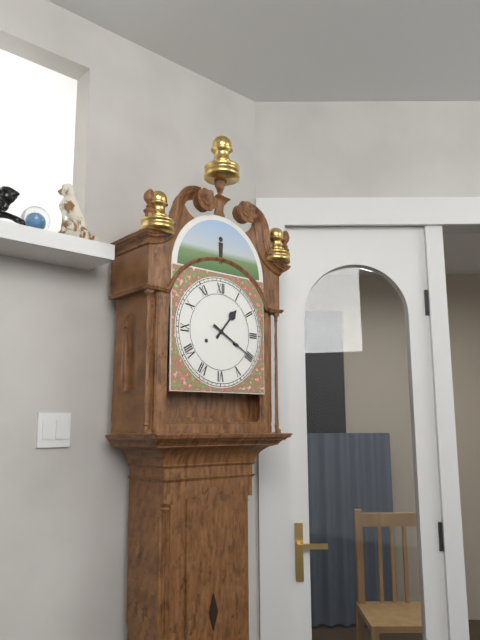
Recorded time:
{"hour": 1, "minute": 20}
